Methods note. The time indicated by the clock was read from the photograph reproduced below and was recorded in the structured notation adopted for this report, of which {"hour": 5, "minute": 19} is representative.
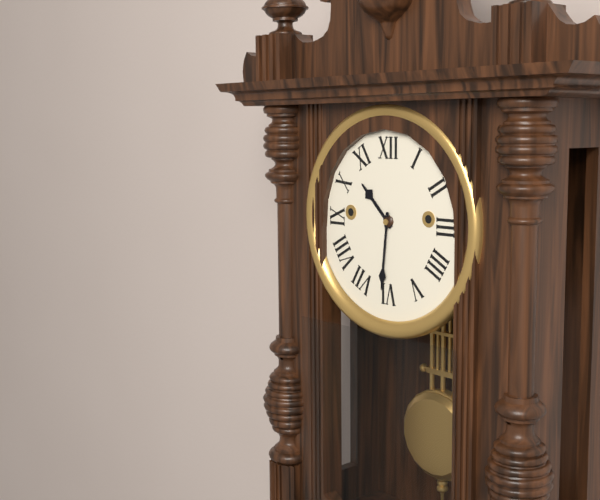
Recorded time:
{"hour": 10, "minute": 31}
